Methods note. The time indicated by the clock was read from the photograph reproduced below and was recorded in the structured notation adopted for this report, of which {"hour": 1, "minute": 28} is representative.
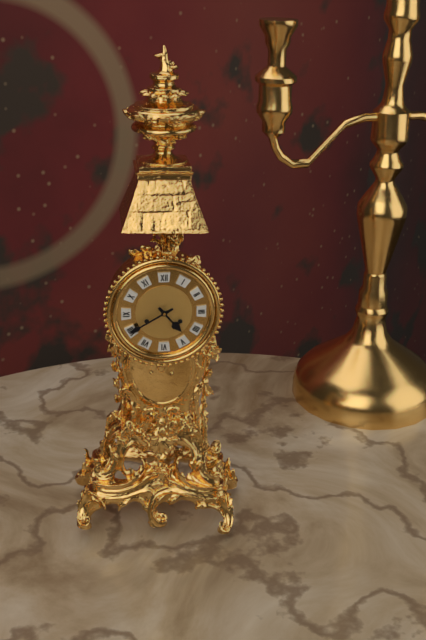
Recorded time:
{"hour": 4, "minute": 40}
